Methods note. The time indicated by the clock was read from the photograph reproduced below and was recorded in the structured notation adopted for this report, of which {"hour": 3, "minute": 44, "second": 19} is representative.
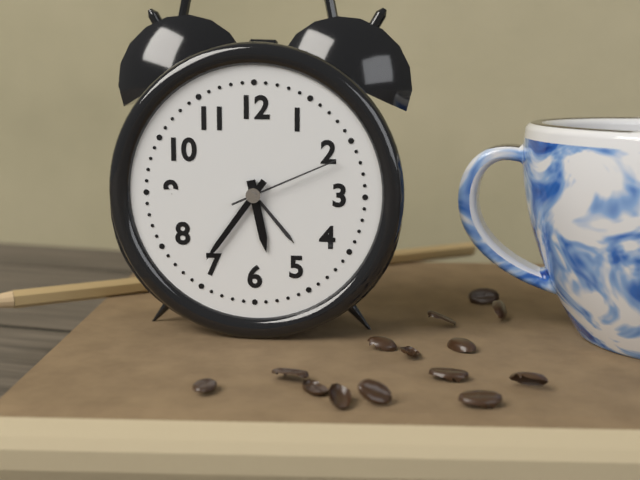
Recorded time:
{"hour": 5, "minute": 36, "second": 11}
